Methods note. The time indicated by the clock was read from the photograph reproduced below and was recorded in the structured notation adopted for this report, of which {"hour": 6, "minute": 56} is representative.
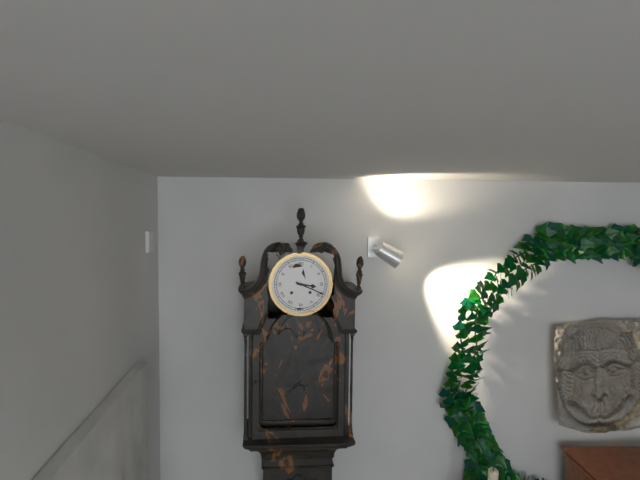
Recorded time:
{"hour": 3, "minute": 19}
